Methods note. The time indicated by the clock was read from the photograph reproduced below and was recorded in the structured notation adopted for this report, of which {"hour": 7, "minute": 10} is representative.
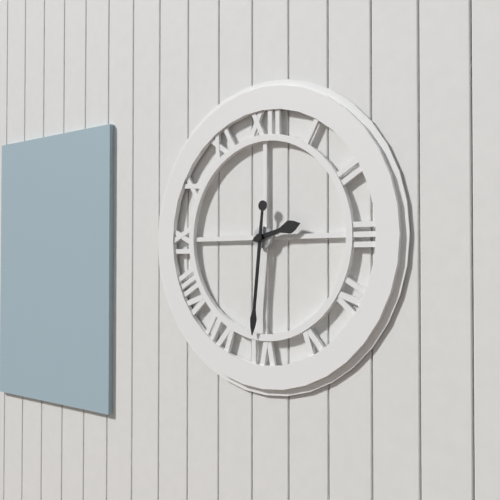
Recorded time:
{"hour": 2, "minute": 31}
